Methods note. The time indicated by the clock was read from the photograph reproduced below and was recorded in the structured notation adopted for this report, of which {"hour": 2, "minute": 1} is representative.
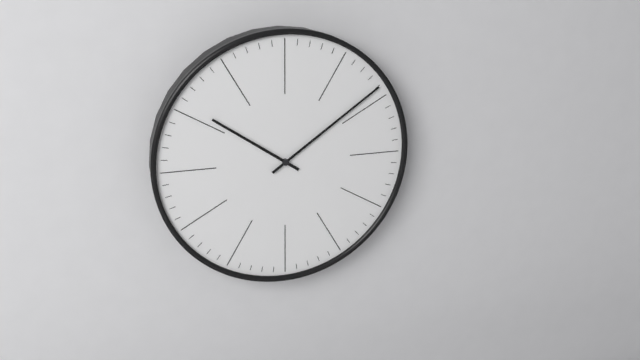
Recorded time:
{"hour": 10, "minute": 9}
